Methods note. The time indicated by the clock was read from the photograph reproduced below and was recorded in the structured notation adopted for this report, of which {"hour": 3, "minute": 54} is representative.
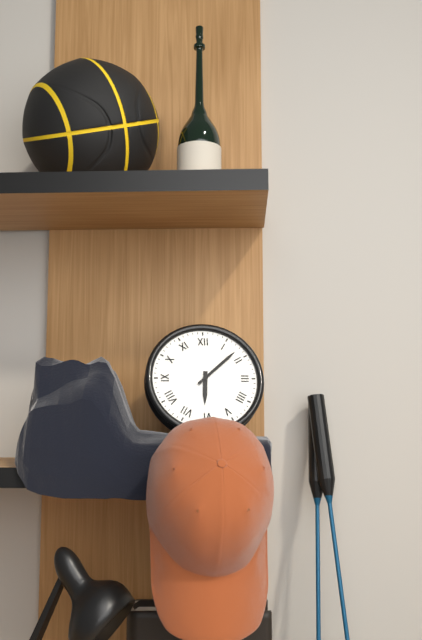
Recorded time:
{"hour": 6, "minute": 8}
